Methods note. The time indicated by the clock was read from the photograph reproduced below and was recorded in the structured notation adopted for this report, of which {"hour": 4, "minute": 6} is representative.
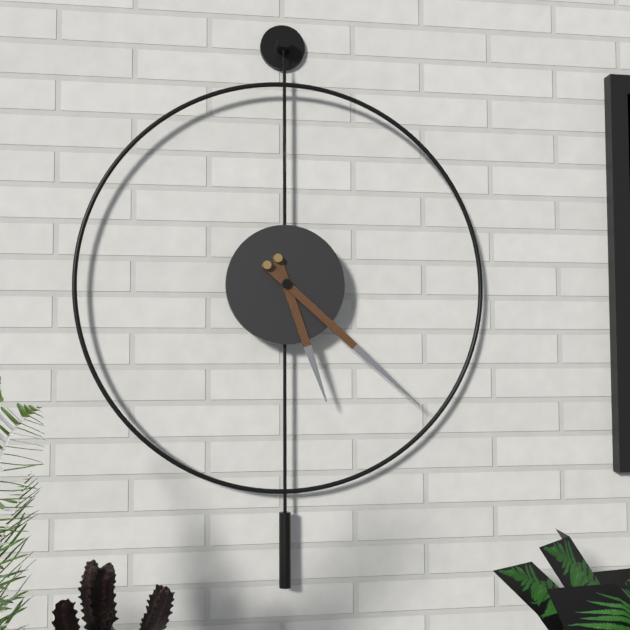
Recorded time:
{"hour": 5, "minute": 22}
